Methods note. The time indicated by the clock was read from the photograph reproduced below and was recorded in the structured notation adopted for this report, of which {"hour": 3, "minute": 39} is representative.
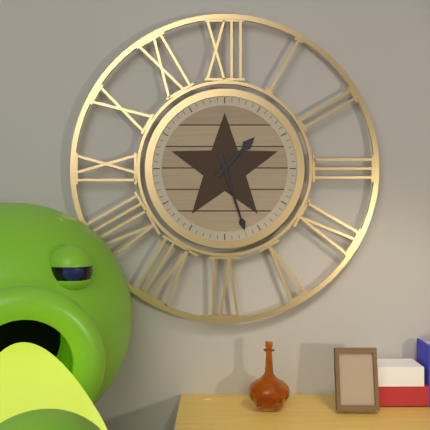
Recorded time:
{"hour": 1, "minute": 27}
